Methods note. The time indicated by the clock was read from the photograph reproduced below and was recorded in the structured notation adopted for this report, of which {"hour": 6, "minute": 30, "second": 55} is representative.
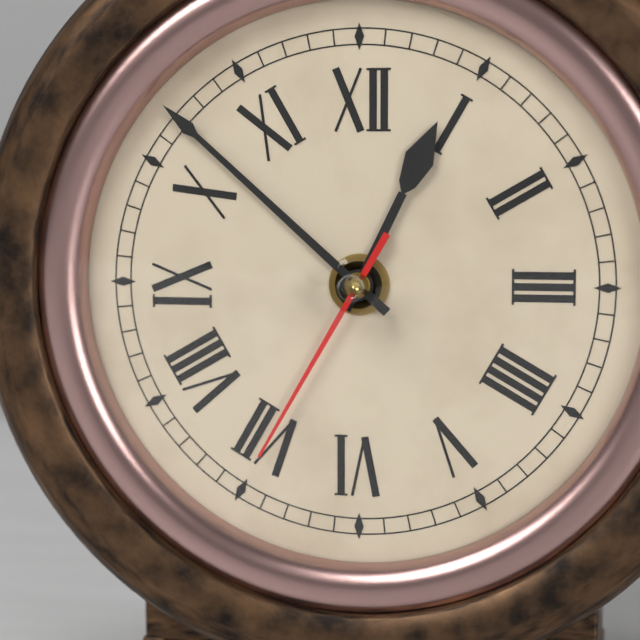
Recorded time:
{"hour": 12, "minute": 52, "second": 35}
